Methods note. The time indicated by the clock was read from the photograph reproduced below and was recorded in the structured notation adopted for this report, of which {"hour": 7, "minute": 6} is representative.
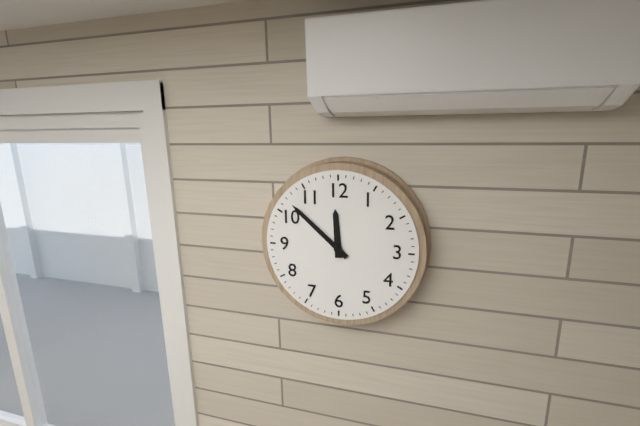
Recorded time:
{"hour": 11, "minute": 52}
